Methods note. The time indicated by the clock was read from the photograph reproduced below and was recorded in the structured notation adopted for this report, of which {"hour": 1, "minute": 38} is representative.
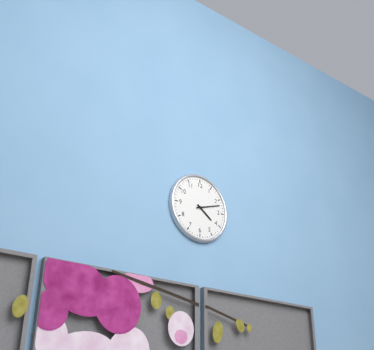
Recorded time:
{"hour": 4, "minute": 12}
